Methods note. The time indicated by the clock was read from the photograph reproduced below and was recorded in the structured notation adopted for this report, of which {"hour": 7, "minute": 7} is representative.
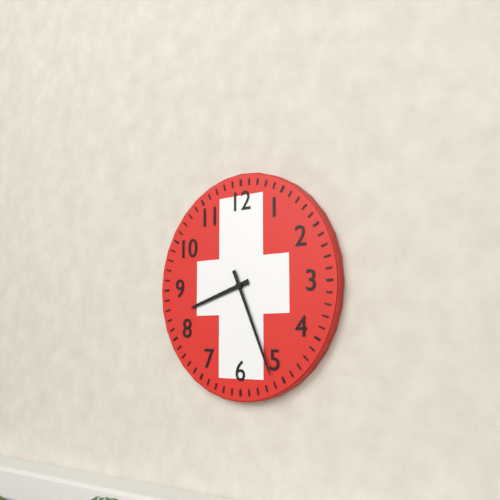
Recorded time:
{"hour": 8, "minute": 26}
